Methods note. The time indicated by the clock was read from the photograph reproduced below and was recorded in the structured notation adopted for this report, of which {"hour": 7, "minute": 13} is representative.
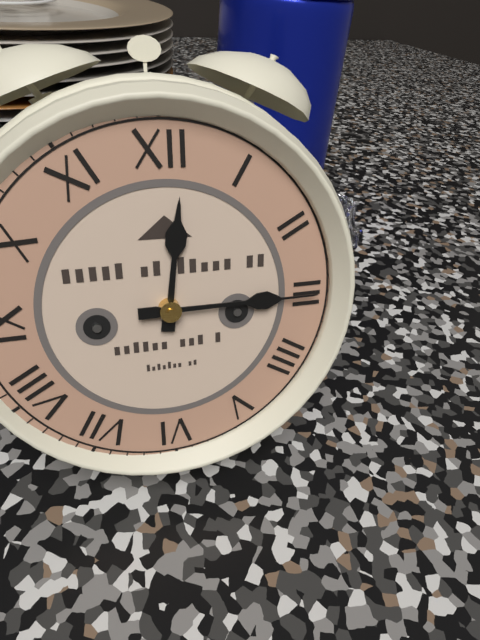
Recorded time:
{"hour": 12, "minute": 15}
